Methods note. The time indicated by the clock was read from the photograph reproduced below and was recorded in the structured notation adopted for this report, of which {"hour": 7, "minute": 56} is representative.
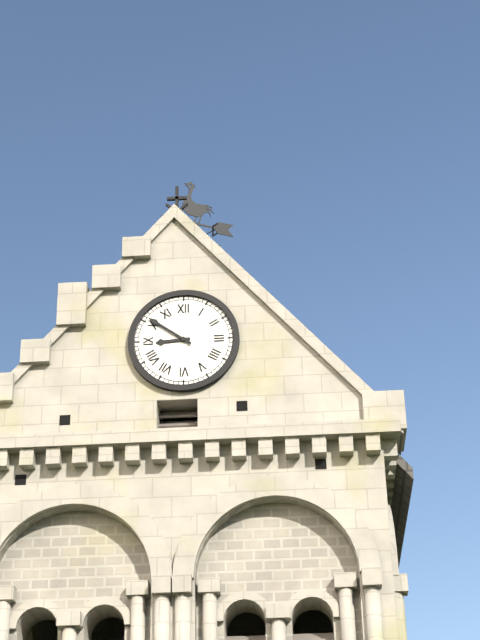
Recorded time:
{"hour": 8, "minute": 51}
